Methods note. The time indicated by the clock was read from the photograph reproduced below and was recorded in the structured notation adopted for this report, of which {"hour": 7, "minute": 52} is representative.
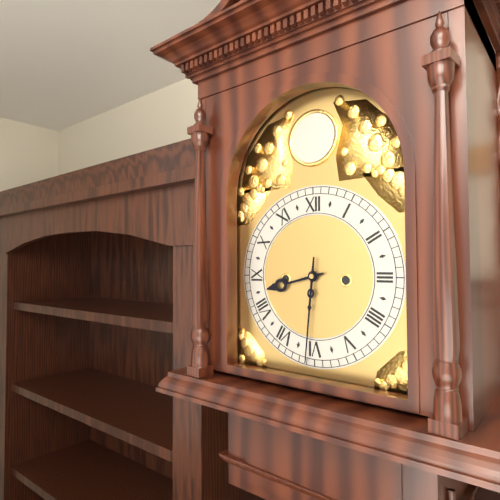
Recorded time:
{"hour": 8, "minute": 31}
